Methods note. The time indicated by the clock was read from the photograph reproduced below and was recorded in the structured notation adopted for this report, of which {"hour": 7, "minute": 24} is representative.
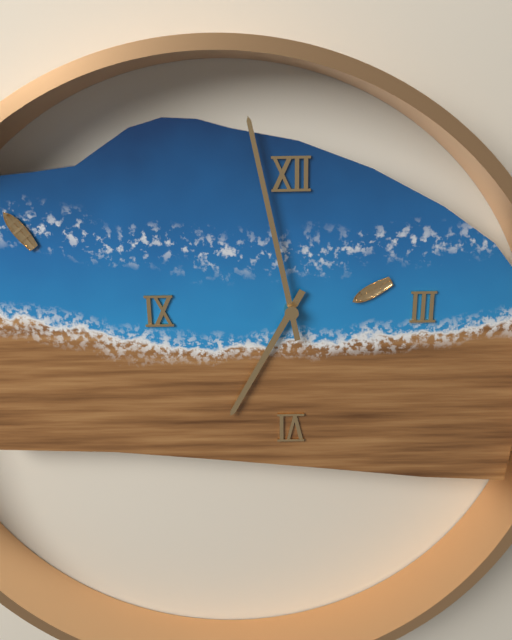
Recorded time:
{"hour": 6, "minute": 58}
